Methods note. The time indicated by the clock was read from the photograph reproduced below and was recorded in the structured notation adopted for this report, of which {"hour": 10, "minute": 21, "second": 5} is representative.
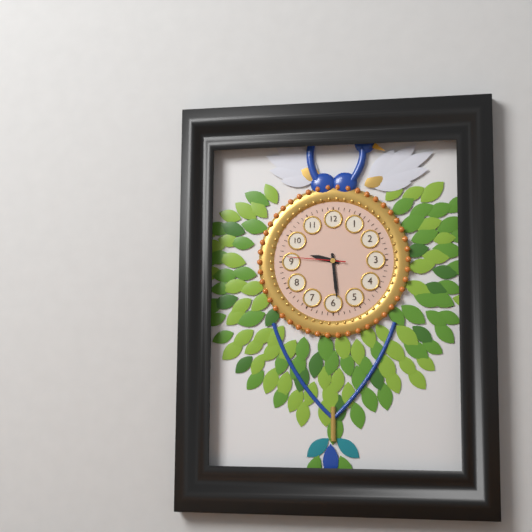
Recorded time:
{"hour": 9, "minute": 29, "second": 46}
